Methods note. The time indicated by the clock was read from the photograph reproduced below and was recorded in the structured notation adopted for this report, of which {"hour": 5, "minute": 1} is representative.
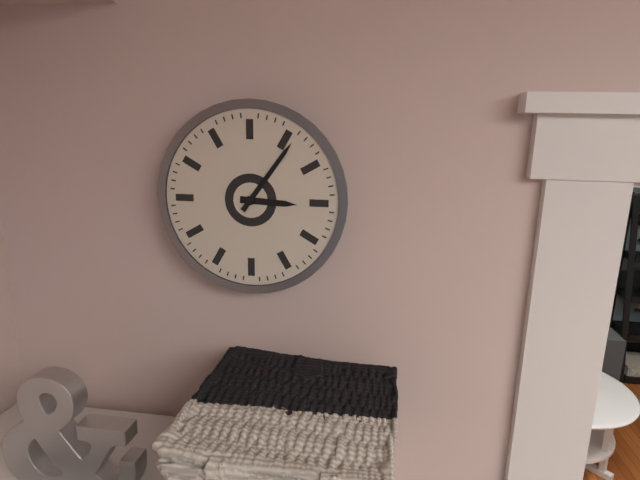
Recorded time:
{"hour": 3, "minute": 6}
